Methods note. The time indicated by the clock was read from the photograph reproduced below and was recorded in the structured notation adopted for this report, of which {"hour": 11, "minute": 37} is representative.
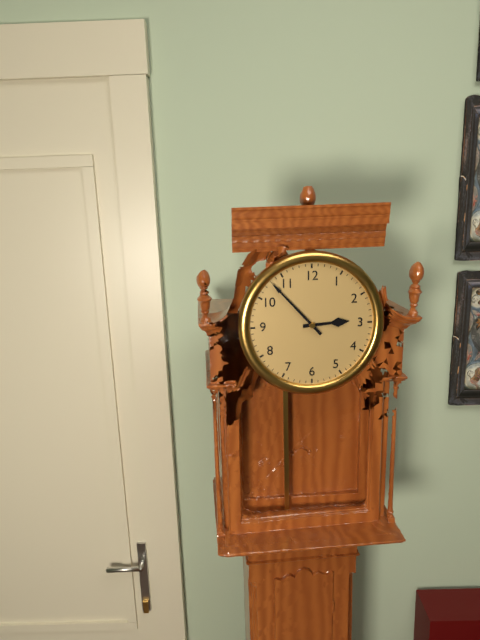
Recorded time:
{"hour": 2, "minute": 53}
